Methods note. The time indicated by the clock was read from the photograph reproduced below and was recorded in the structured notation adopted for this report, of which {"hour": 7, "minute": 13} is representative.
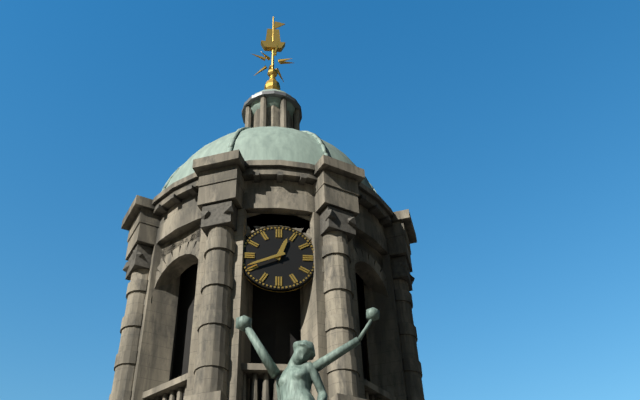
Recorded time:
{"hour": 12, "minute": 41}
